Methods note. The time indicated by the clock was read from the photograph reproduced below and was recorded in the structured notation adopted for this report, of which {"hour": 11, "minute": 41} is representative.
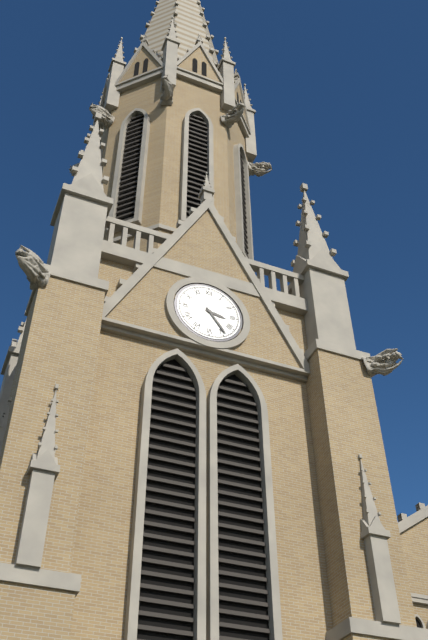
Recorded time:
{"hour": 3, "minute": 24}
